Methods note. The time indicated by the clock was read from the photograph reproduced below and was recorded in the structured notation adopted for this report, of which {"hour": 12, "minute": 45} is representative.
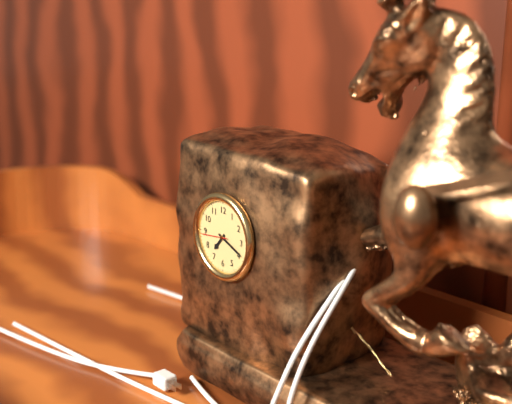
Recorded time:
{"hour": 7, "minute": 19}
